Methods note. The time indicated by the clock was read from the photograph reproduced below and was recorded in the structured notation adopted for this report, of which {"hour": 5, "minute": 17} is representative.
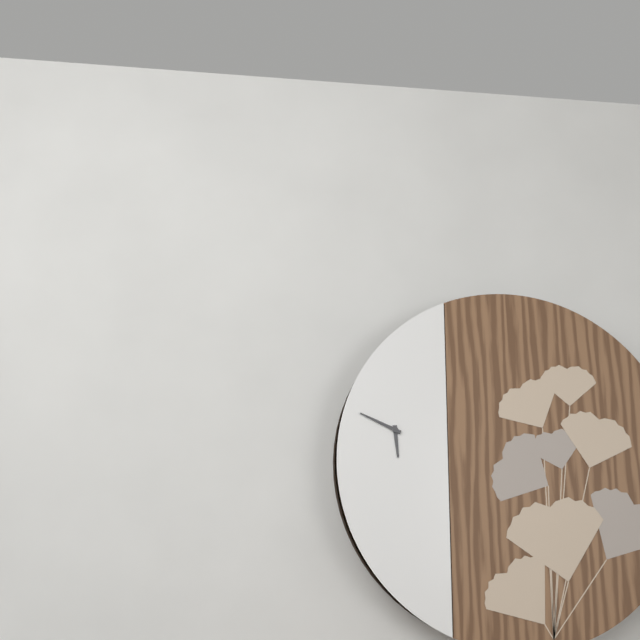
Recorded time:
{"hour": 5, "minute": 49}
